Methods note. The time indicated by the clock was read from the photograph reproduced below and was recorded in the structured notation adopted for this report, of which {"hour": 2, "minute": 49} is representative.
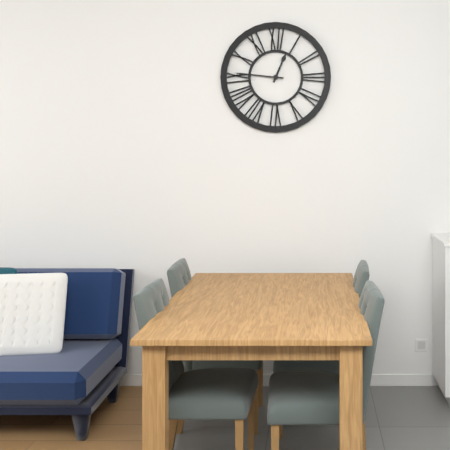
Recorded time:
{"hour": 12, "minute": 46}
